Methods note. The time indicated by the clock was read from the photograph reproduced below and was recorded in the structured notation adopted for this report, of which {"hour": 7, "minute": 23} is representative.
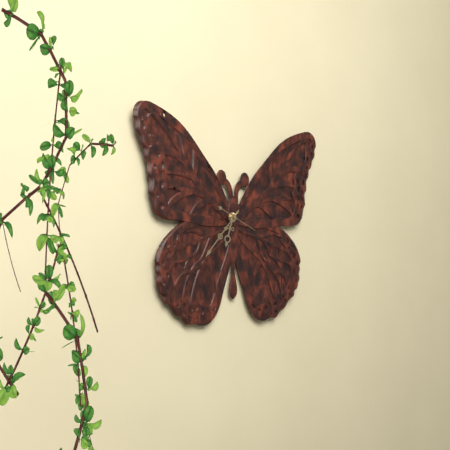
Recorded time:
{"hour": 6, "minute": 37}
